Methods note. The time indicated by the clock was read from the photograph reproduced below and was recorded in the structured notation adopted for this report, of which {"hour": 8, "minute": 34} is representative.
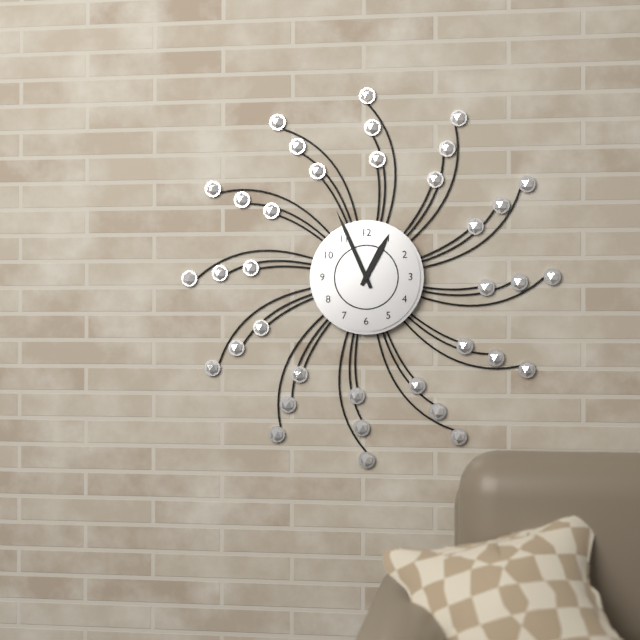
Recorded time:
{"hour": 12, "minute": 56}
